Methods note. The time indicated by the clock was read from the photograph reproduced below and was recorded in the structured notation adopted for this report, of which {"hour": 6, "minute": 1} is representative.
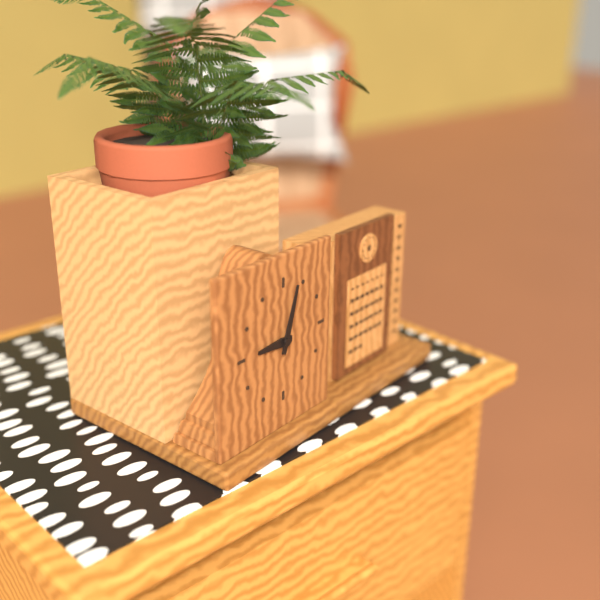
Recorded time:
{"hour": 9, "minute": 3}
